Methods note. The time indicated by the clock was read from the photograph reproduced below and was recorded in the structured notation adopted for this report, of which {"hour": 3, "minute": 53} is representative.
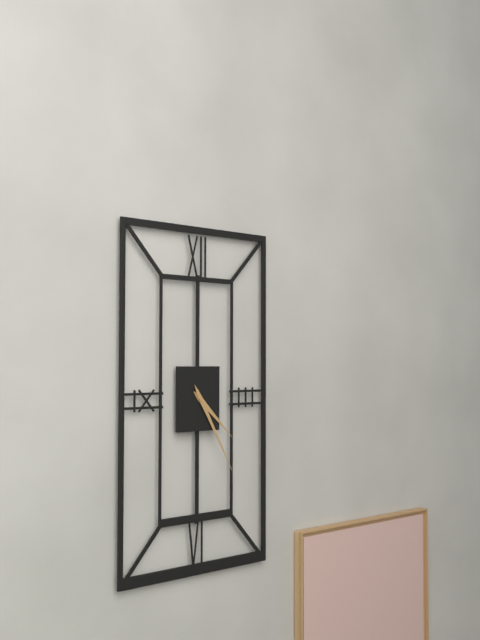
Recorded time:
{"hour": 4, "minute": 25}
